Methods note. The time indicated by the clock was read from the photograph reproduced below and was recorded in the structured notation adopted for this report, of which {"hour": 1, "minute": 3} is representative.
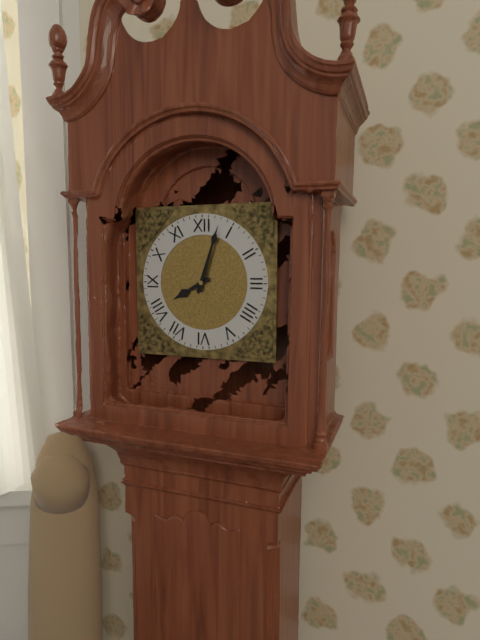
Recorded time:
{"hour": 8, "minute": 3}
